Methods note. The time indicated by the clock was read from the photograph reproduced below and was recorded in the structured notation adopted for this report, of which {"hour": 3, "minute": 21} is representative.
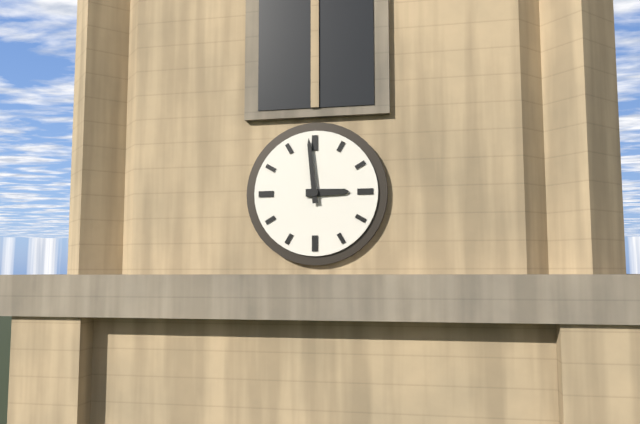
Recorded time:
{"hour": 2, "minute": 59}
